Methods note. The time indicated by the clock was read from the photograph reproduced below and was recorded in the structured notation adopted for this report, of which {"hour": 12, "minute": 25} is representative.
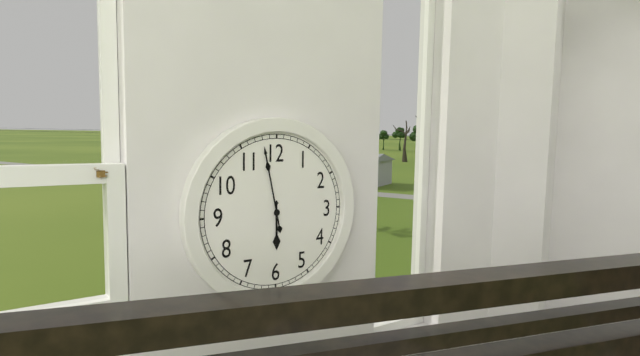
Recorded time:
{"hour": 5, "minute": 58}
